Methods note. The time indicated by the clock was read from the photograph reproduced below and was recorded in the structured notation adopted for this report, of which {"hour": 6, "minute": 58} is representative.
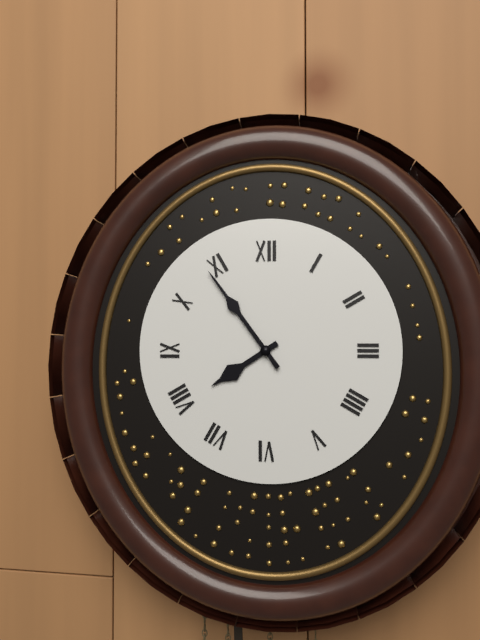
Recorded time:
{"hour": 7, "minute": 54}
